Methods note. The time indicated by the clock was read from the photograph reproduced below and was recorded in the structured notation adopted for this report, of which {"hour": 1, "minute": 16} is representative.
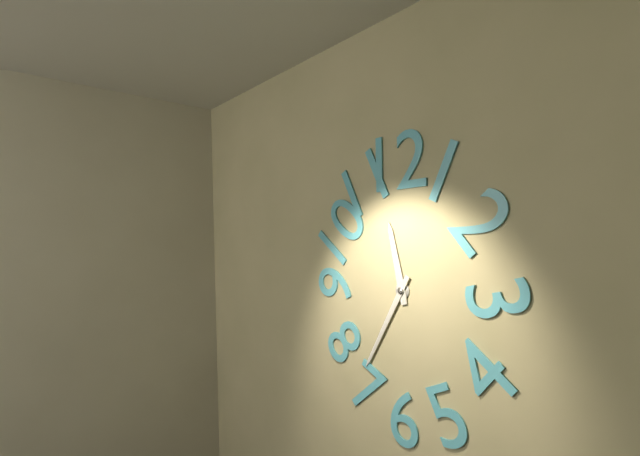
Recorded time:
{"hour": 11, "minute": 35}
